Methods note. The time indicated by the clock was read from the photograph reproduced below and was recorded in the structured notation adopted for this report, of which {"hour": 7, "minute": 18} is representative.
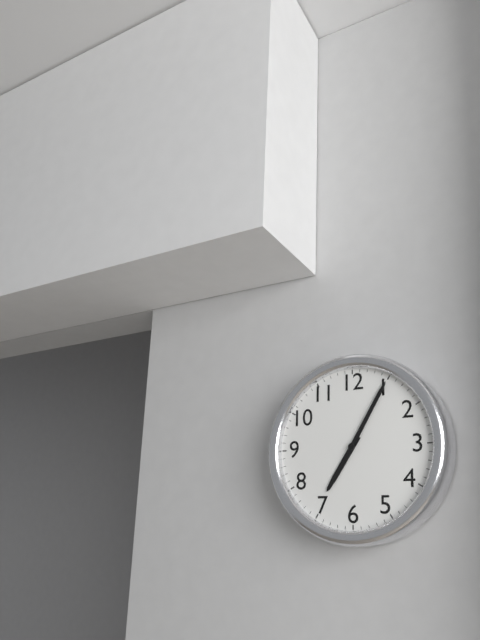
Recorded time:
{"hour": 7, "minute": 5}
